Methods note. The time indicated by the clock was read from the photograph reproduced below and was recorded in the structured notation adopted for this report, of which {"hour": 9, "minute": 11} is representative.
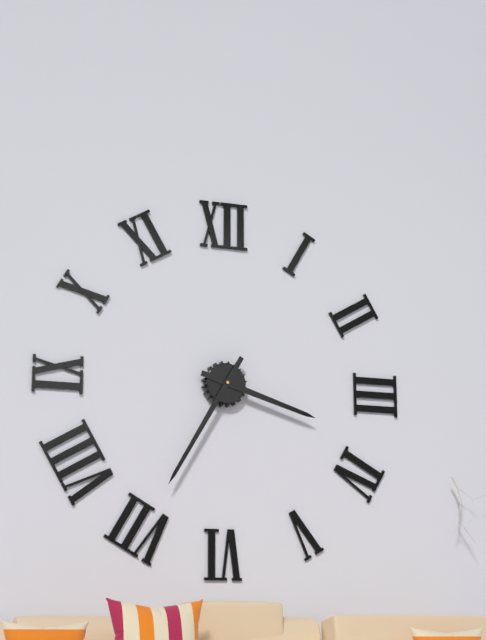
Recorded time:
{"hour": 3, "minute": 35}
